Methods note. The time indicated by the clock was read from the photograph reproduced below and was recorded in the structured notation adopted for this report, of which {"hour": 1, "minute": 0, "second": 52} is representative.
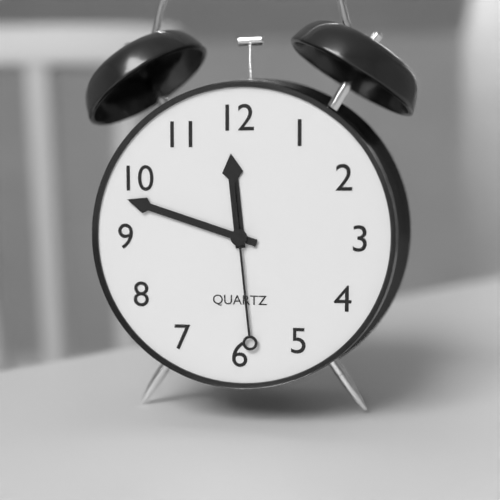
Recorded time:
{"hour": 11, "minute": 48, "second": 29}
